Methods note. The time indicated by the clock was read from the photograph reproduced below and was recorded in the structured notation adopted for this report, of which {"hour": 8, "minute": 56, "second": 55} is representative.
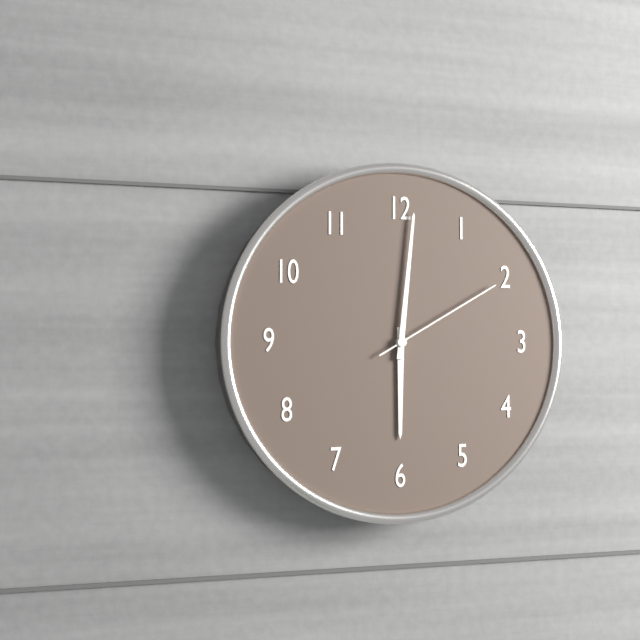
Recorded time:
{"hour": 6, "minute": 1, "second": 10}
